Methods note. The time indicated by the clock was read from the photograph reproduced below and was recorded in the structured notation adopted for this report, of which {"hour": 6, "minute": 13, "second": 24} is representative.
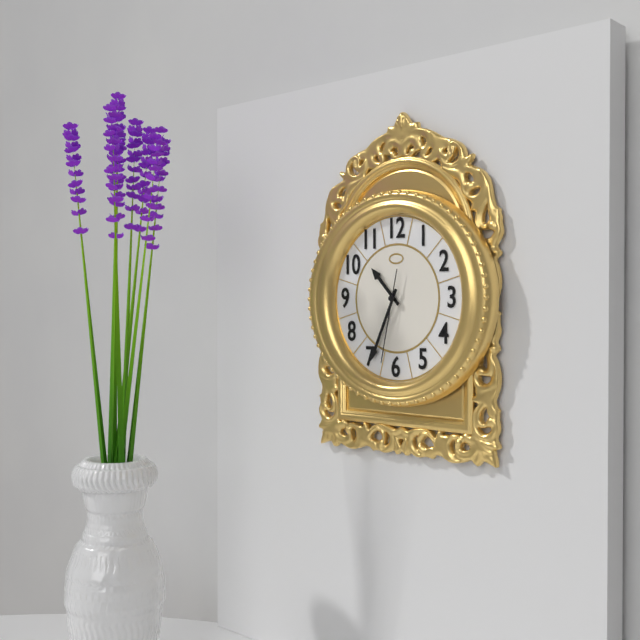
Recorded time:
{"hour": 10, "minute": 34, "second": 32}
